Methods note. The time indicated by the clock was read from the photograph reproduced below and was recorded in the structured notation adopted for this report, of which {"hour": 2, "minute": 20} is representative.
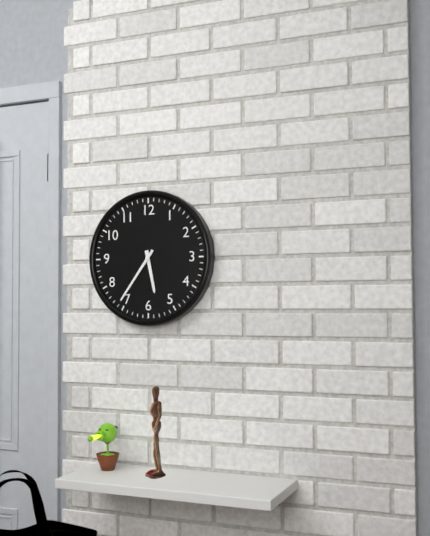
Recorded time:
{"hour": 5, "minute": 36}
